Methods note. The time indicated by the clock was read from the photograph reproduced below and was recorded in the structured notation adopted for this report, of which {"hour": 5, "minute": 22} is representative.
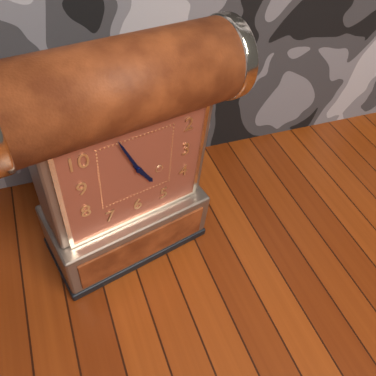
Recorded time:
{"hour": 4, "minute": 56}
